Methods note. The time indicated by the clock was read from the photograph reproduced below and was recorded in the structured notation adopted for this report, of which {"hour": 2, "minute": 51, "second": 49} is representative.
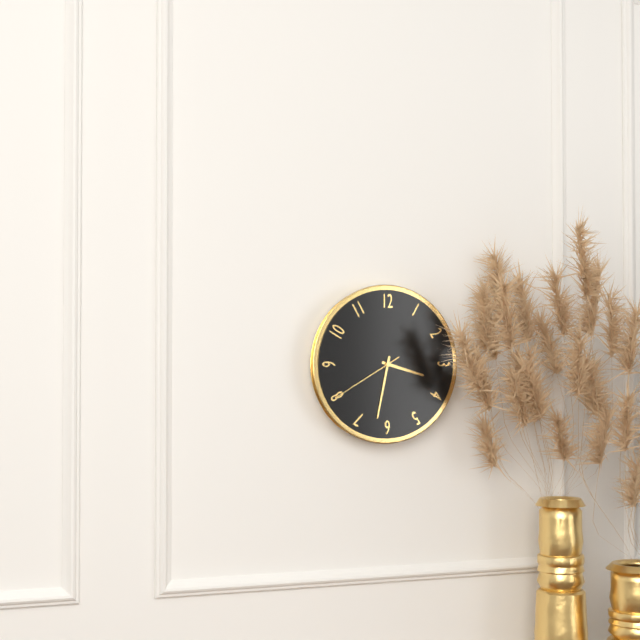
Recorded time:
{"hour": 3, "minute": 32, "second": 40}
